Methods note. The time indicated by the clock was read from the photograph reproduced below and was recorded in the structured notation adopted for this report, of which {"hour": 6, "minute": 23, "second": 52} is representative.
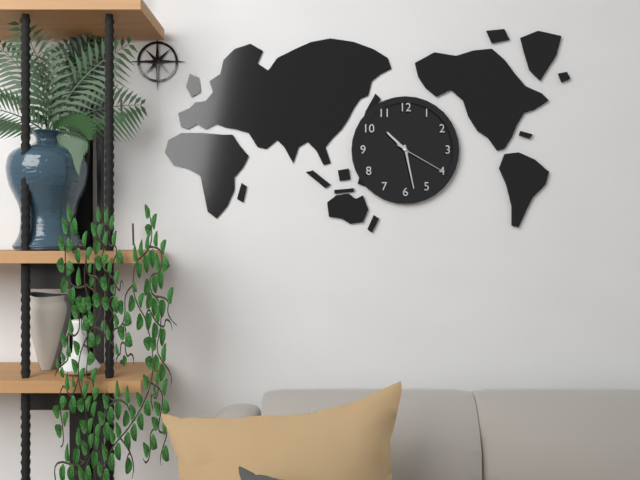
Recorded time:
{"hour": 10, "minute": 28, "second": 20}
